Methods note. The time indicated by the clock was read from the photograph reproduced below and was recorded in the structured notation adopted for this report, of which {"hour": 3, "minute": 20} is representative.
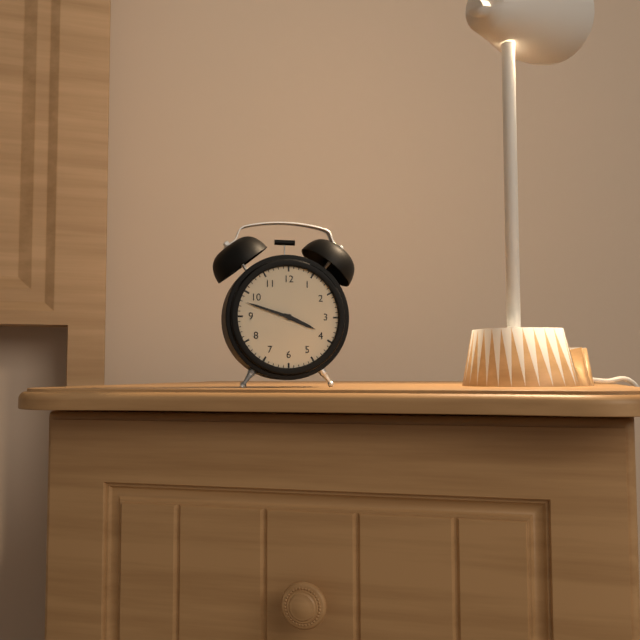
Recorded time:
{"hour": 3, "minute": 48}
